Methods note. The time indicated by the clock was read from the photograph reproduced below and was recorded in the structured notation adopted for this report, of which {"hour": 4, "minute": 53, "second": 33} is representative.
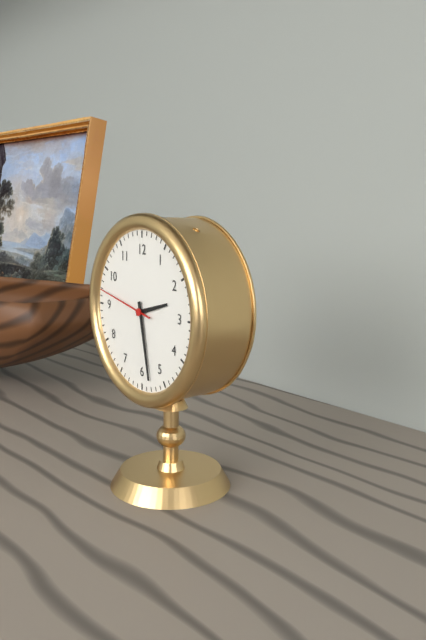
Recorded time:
{"hour": 2, "minute": 28, "second": 47}
